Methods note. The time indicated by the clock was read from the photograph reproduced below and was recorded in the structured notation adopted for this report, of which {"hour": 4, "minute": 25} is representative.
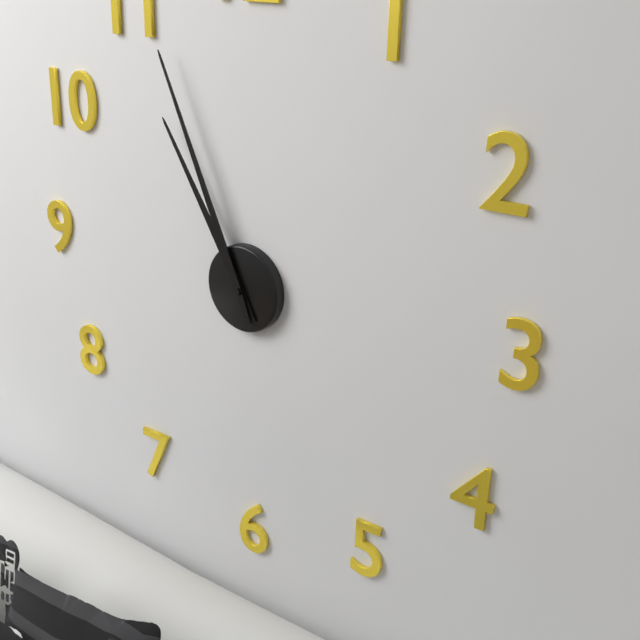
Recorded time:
{"hour": 10, "minute": 56}
